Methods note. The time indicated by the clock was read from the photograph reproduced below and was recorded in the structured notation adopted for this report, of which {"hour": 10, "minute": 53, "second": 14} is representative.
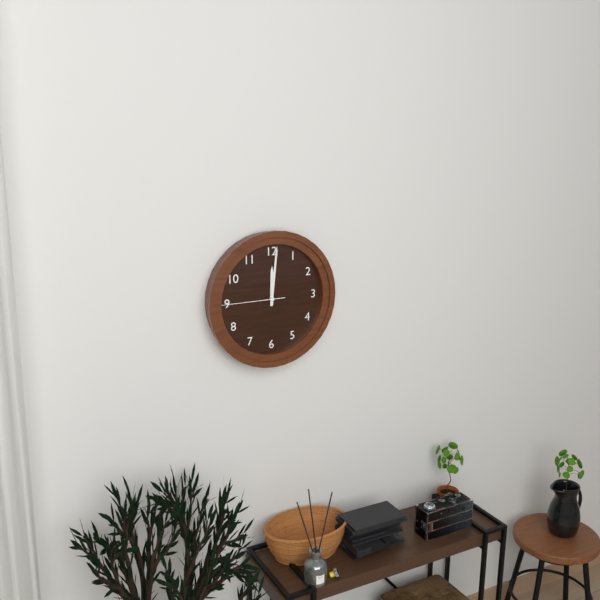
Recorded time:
{"hour": 12, "minute": 1, "second": 45}
